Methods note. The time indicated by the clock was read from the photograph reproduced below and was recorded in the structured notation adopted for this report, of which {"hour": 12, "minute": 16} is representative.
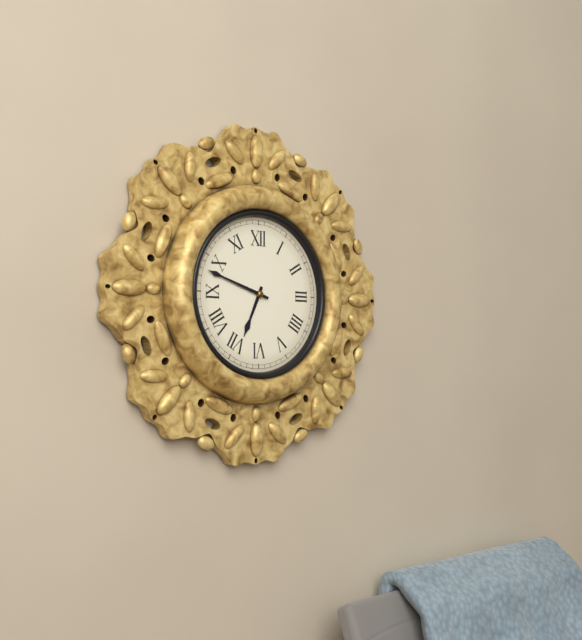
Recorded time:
{"hour": 6, "minute": 48}
